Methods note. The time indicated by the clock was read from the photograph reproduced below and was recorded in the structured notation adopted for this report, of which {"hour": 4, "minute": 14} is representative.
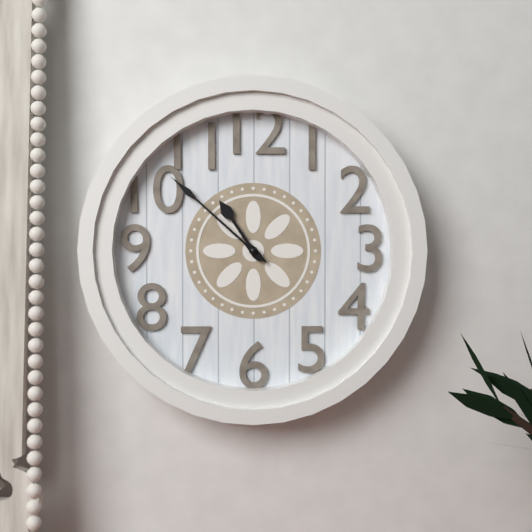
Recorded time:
{"hour": 10, "minute": 52}
